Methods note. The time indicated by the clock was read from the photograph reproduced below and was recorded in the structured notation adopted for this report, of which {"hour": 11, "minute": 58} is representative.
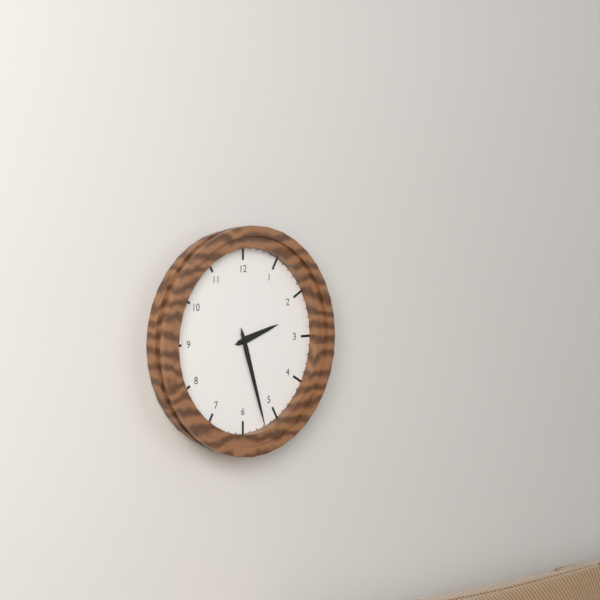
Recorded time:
{"hour": 2, "minute": 27}
